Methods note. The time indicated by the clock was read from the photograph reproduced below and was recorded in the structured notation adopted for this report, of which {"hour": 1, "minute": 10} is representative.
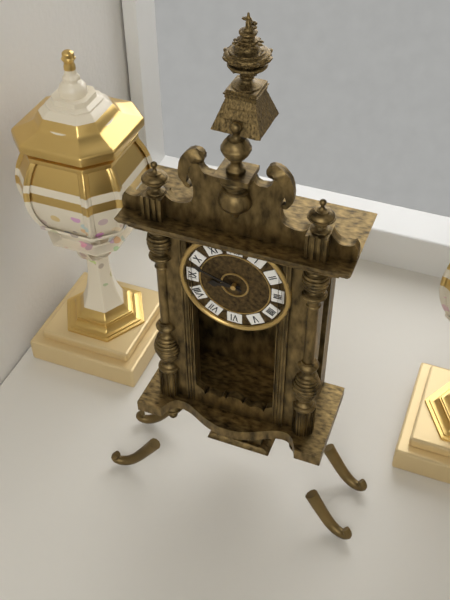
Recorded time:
{"hour": 8, "minute": 48}
